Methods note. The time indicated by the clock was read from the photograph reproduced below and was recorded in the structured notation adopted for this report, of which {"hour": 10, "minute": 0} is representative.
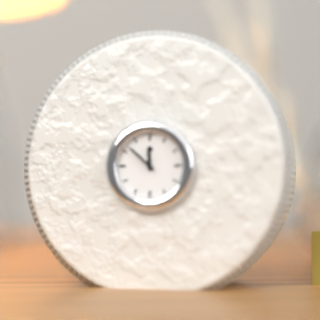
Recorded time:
{"hour": 11, "minute": 52}
